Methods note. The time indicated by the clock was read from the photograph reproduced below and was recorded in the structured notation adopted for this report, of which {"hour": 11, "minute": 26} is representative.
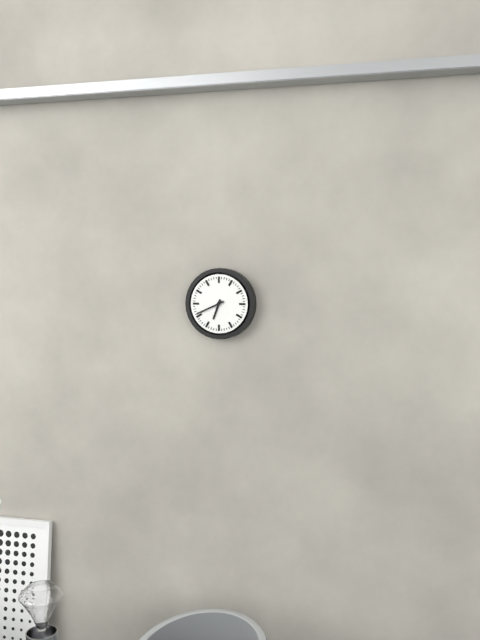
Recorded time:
{"hour": 6, "minute": 41}
